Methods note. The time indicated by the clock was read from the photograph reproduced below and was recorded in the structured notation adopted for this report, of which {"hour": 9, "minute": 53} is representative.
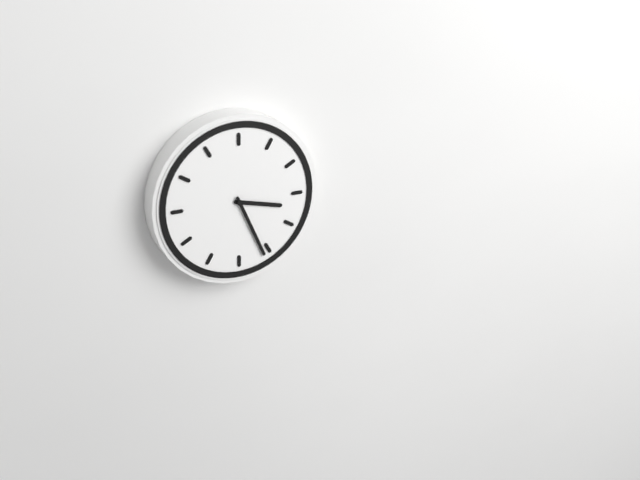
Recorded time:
{"hour": 3, "minute": 26}
